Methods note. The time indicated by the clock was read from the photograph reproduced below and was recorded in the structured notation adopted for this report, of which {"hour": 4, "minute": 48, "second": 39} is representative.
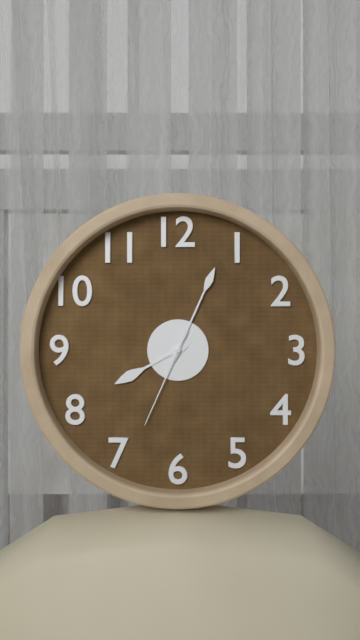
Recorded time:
{"hour": 8, "minute": 4, "second": 34}
